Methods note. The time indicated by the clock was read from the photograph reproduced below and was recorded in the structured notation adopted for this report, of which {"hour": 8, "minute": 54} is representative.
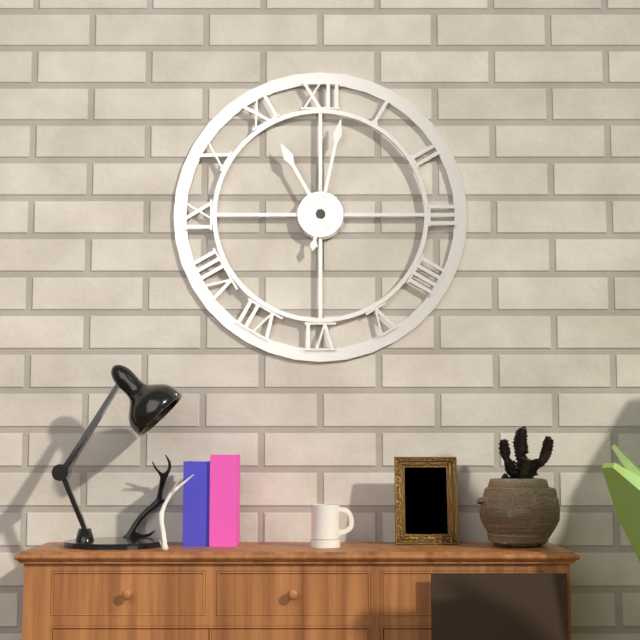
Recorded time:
{"hour": 11, "minute": 2}
